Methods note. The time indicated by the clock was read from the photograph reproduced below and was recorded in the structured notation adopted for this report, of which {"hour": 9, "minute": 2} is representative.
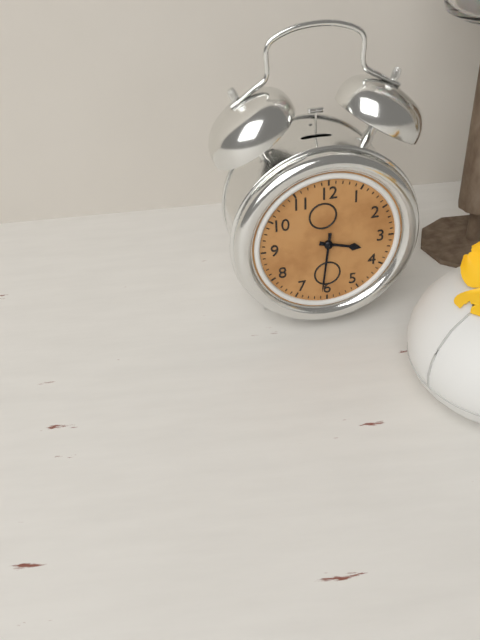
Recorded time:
{"hour": 3, "minute": 31}
